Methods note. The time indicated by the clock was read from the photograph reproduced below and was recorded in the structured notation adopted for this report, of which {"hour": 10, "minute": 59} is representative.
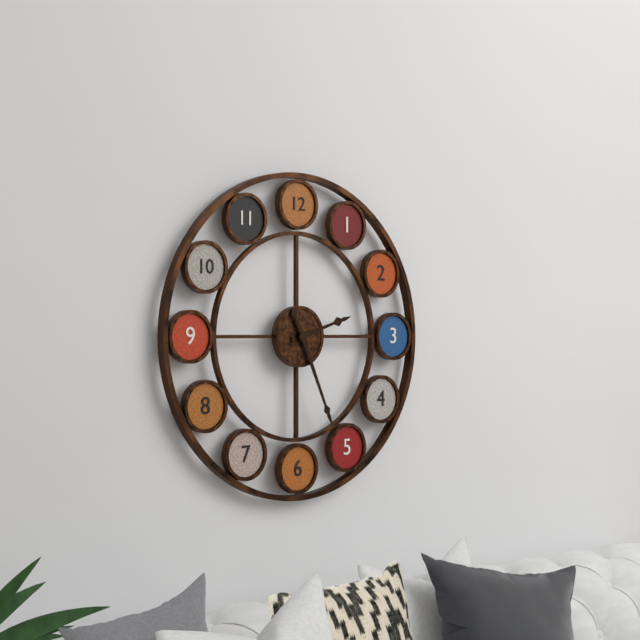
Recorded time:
{"hour": 2, "minute": 26}
